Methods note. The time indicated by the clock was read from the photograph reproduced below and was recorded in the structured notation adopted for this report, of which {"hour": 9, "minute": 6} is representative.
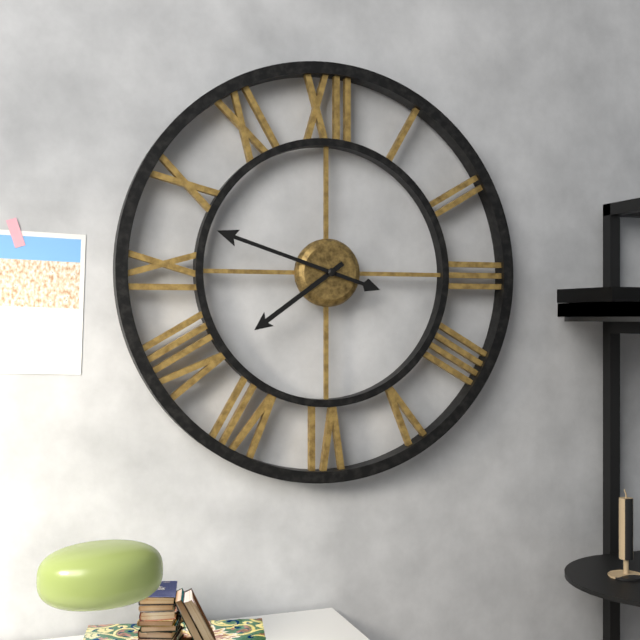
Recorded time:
{"hour": 7, "minute": 48}
